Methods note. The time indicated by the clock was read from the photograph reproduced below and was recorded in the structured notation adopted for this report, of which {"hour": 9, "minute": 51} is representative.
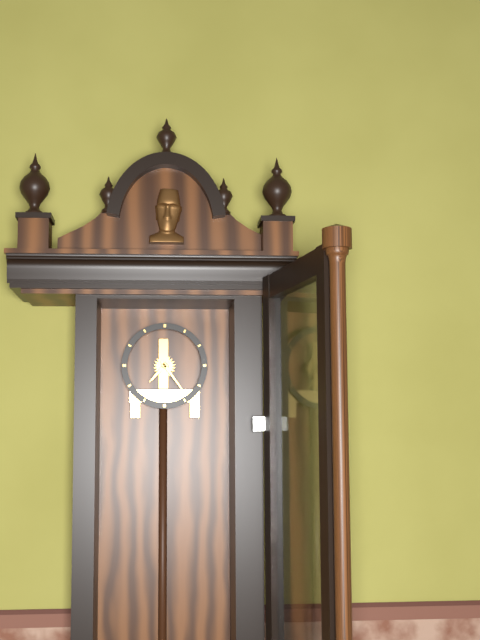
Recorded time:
{"hour": 7, "minute": 24}
